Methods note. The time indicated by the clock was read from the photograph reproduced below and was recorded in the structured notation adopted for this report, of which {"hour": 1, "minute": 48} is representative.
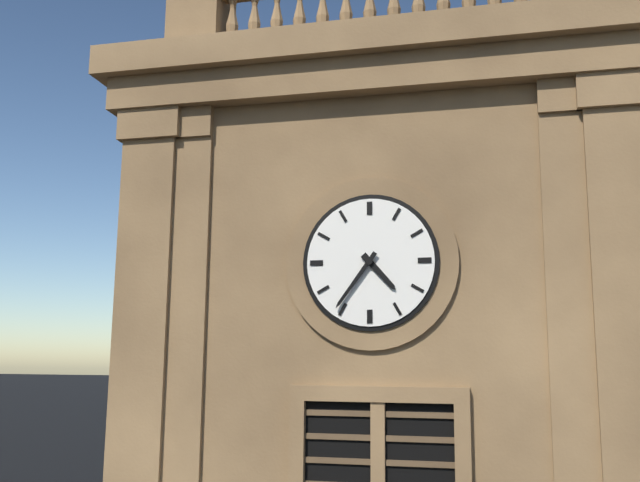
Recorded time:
{"hour": 4, "minute": 36}
